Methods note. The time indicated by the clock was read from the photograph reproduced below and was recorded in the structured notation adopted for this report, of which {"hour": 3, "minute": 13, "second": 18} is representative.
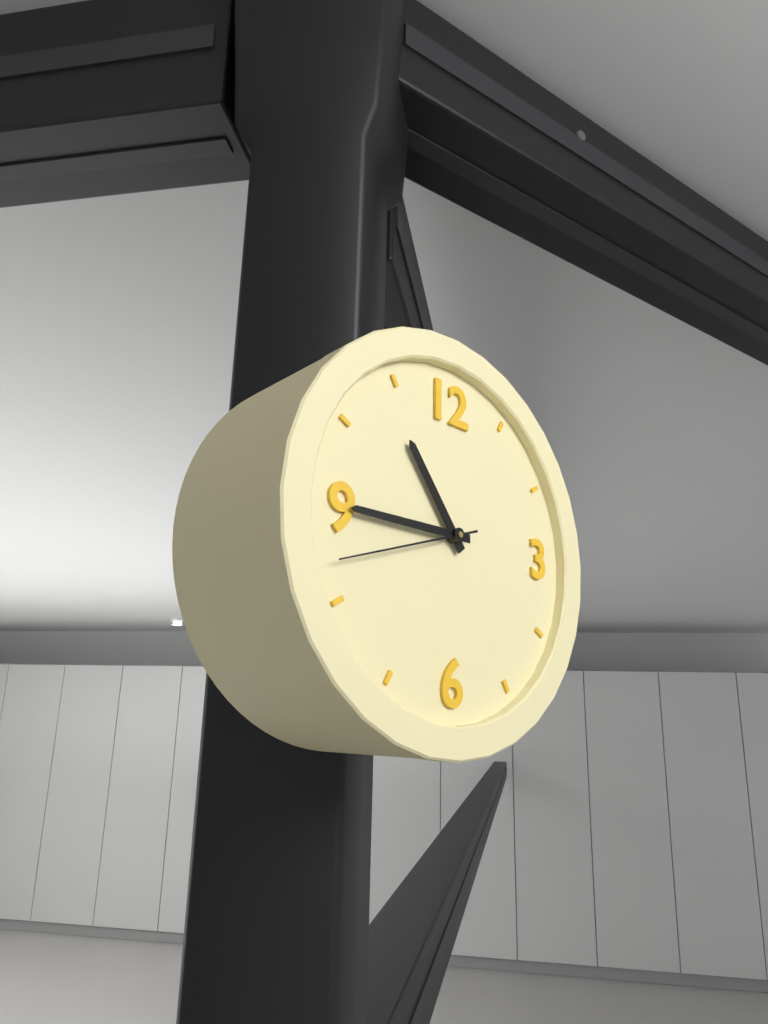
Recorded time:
{"hour": 10, "minute": 45, "second": 42}
